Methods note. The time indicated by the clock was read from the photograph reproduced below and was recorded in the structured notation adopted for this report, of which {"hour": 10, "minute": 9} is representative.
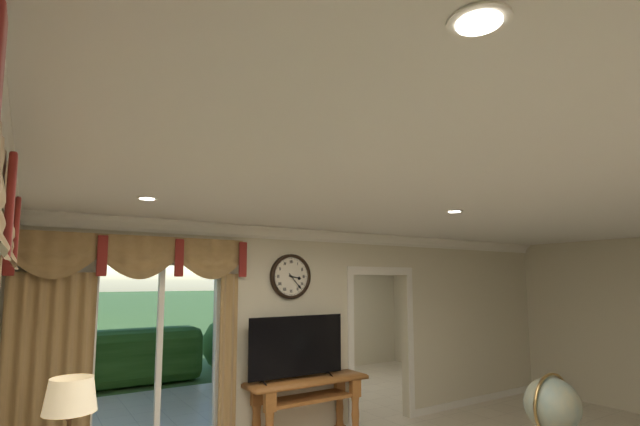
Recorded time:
{"hour": 3, "minute": 23}
